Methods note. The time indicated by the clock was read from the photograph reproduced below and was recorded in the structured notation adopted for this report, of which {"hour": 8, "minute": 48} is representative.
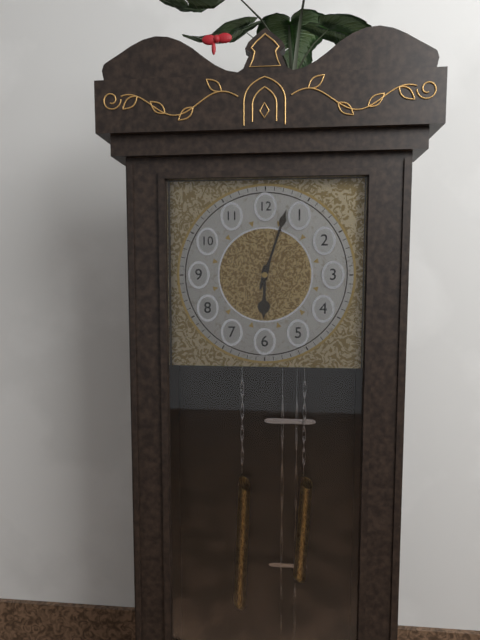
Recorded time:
{"hour": 6, "minute": 3}
